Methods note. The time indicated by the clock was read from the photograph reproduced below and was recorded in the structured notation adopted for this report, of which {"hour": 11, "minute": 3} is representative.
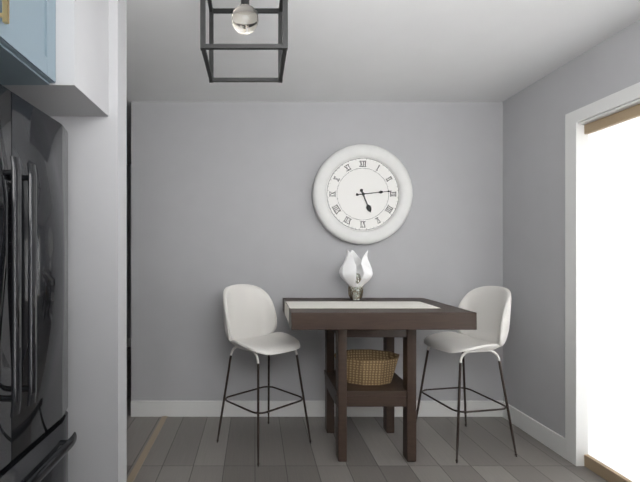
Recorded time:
{"hour": 5, "minute": 14}
